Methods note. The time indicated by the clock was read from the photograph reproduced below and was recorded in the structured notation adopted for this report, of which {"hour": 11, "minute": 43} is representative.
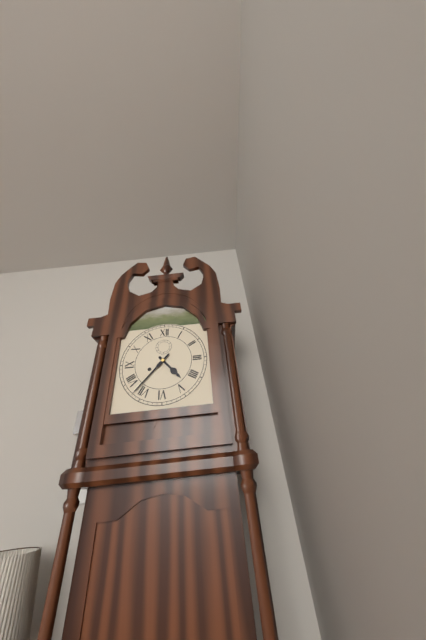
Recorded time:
{"hour": 4, "minute": 37}
